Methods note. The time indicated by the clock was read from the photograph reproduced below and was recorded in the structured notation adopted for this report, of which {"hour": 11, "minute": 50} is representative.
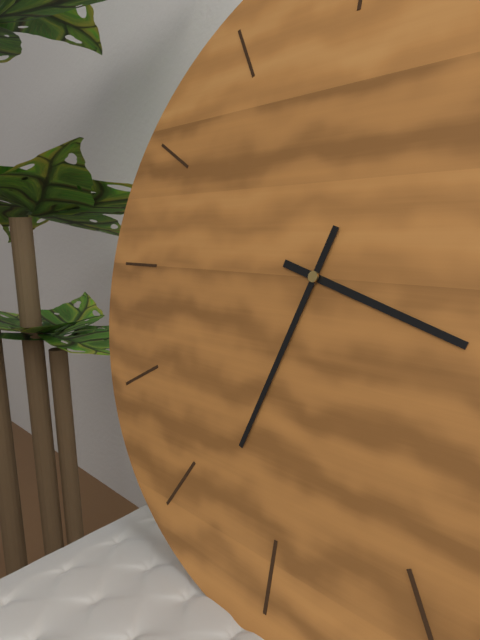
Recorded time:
{"hour": 3, "minute": 33}
